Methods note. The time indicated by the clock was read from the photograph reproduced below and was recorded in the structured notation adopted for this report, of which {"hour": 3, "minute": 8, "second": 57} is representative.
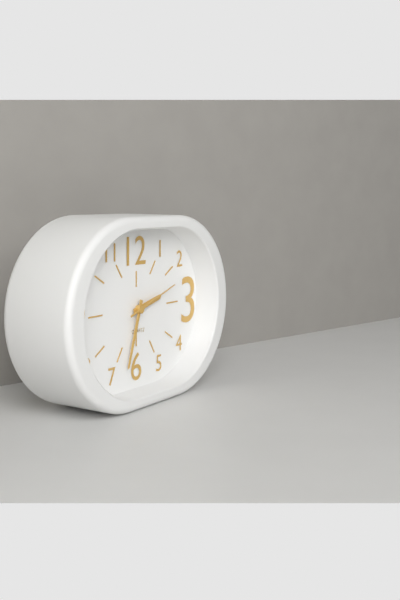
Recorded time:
{"hour": 2, "minute": 33, "second": 12}
